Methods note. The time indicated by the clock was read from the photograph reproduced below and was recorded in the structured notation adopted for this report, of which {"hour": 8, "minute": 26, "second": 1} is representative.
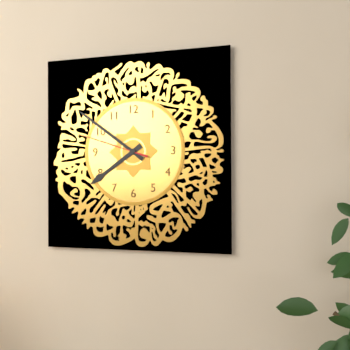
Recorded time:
{"hour": 7, "minute": 51, "second": 48}
